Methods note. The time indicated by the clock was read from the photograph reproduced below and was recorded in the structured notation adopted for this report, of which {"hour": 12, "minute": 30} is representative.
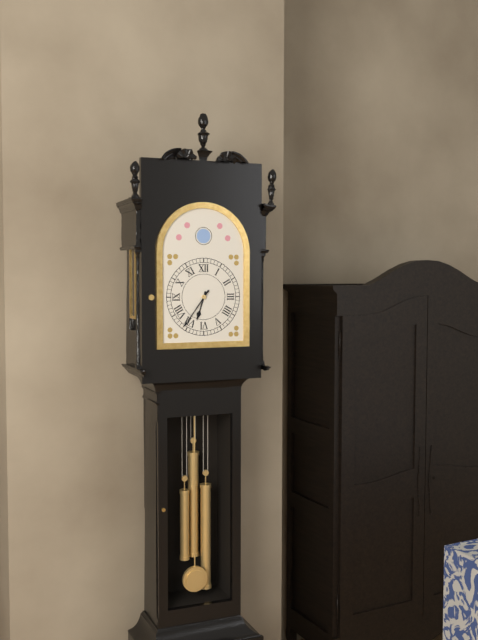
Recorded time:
{"hour": 6, "minute": 36}
